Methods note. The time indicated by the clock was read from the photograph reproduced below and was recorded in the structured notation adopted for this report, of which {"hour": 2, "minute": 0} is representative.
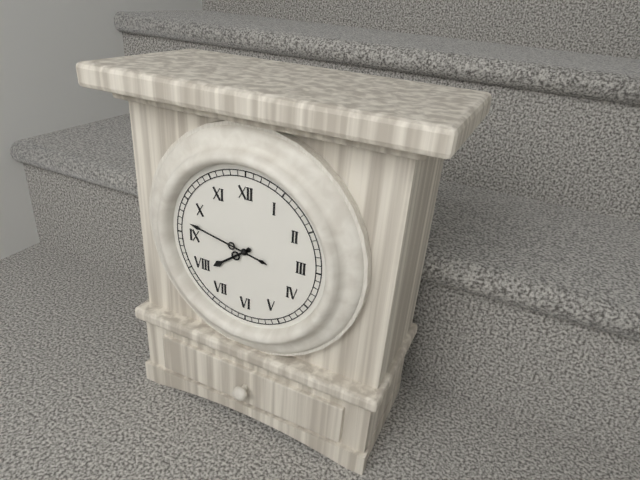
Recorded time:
{"hour": 7, "minute": 47}
